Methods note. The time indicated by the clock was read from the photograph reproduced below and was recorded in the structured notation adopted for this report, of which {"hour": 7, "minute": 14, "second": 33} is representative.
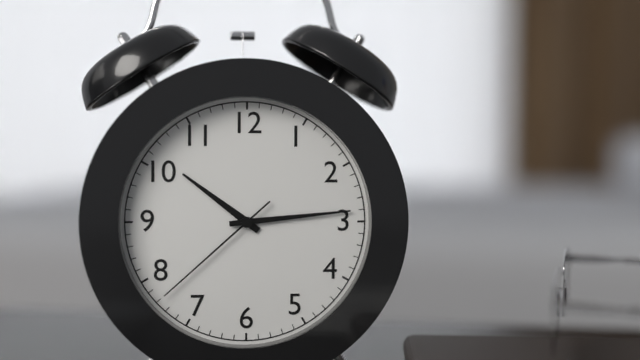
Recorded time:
{"hour": 10, "minute": 14, "second": 38}
